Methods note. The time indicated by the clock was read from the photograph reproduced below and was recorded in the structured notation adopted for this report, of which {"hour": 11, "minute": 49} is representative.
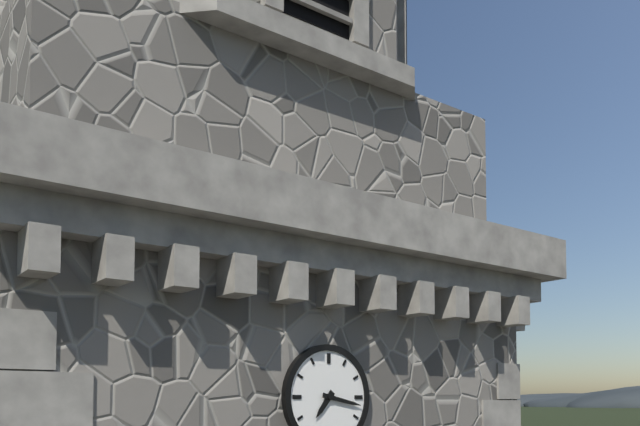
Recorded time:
{"hour": 7, "minute": 17}
